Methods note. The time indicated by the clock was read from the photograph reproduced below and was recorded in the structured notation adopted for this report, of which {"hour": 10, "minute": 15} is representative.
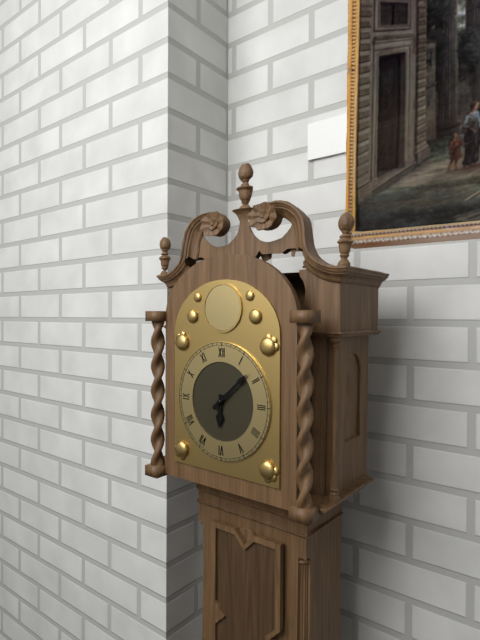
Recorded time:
{"hour": 6, "minute": 8}
